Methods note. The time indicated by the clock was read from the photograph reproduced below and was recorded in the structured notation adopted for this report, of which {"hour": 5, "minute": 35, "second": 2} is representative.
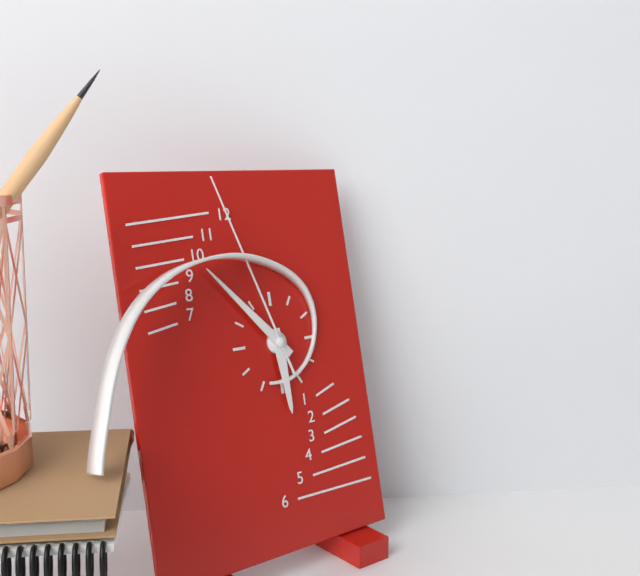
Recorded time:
{"hour": 5, "minute": 53, "second": 57}
